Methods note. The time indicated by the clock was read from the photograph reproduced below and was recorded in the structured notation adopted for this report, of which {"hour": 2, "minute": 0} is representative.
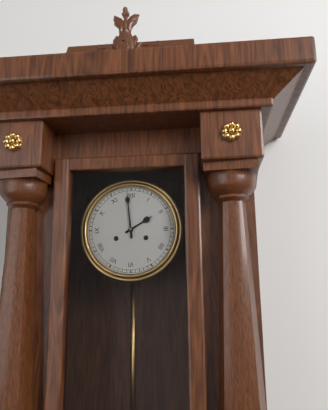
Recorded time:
{"hour": 1, "minute": 59}
